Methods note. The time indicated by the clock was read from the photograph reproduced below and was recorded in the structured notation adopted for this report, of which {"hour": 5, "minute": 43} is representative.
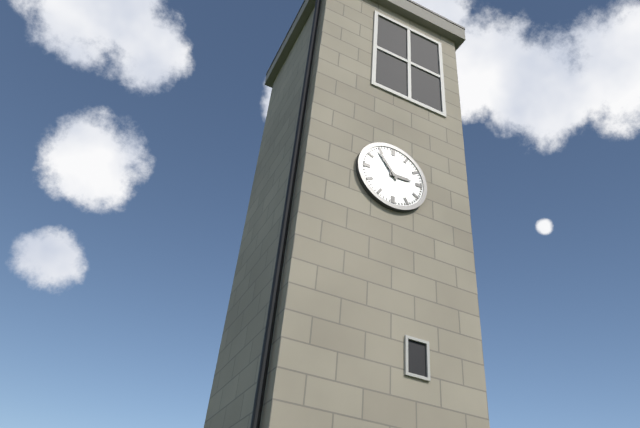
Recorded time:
{"hour": 2, "minute": 54}
